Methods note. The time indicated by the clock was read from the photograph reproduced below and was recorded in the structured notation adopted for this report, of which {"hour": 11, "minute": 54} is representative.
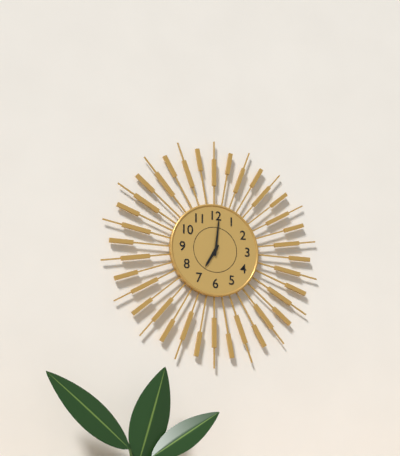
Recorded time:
{"hour": 7, "minute": 1}
